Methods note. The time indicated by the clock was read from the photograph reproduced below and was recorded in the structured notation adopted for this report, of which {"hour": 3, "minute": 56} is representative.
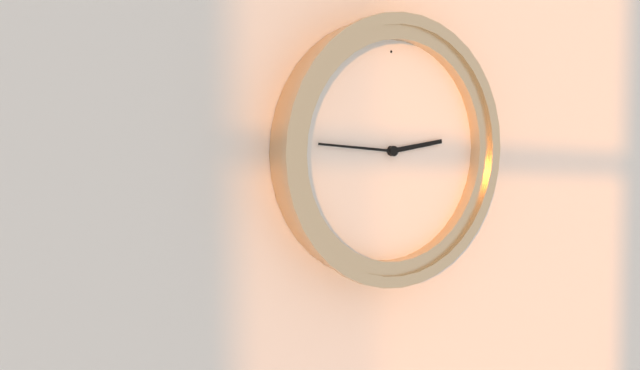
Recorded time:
{"hour": 2, "minute": 46}
